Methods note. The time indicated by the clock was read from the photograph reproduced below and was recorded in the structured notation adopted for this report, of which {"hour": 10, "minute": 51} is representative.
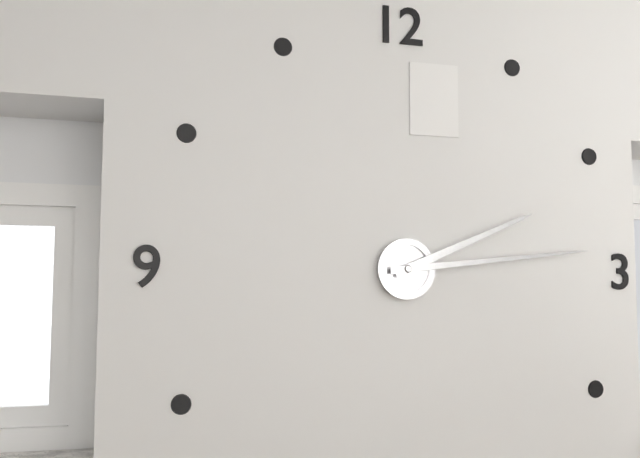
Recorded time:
{"hour": 2, "minute": 14}
